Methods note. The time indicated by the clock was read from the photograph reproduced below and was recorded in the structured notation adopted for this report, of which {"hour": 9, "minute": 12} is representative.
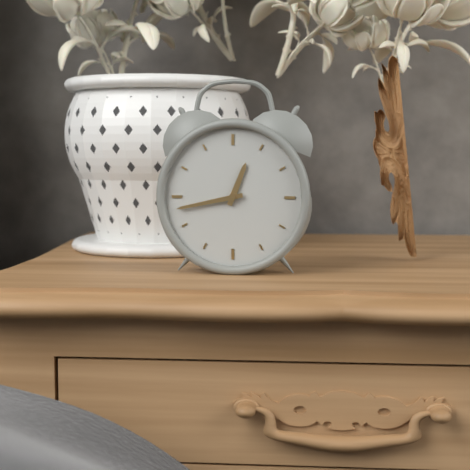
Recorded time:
{"hour": 12, "minute": 43}
